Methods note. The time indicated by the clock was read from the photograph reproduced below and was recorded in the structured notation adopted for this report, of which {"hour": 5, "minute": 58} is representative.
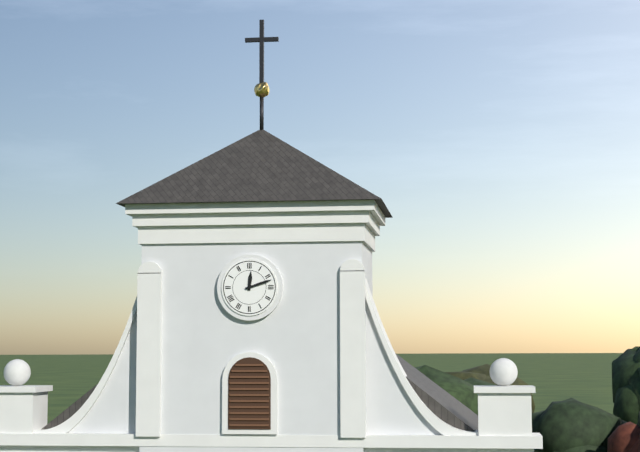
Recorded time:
{"hour": 12, "minute": 12}
